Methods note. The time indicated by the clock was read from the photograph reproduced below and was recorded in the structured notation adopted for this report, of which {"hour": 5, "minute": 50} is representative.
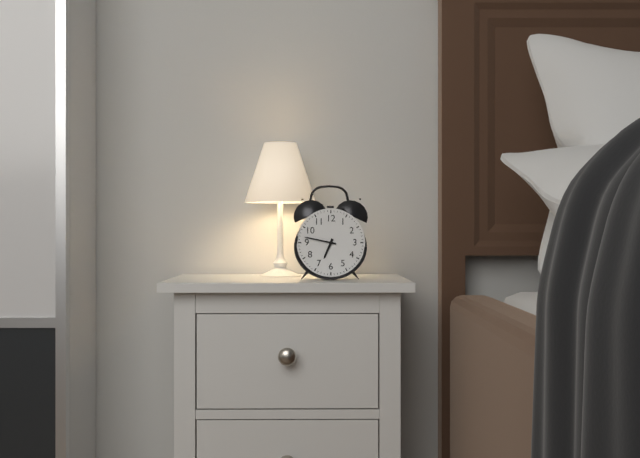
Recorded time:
{"hour": 6, "minute": 47}
